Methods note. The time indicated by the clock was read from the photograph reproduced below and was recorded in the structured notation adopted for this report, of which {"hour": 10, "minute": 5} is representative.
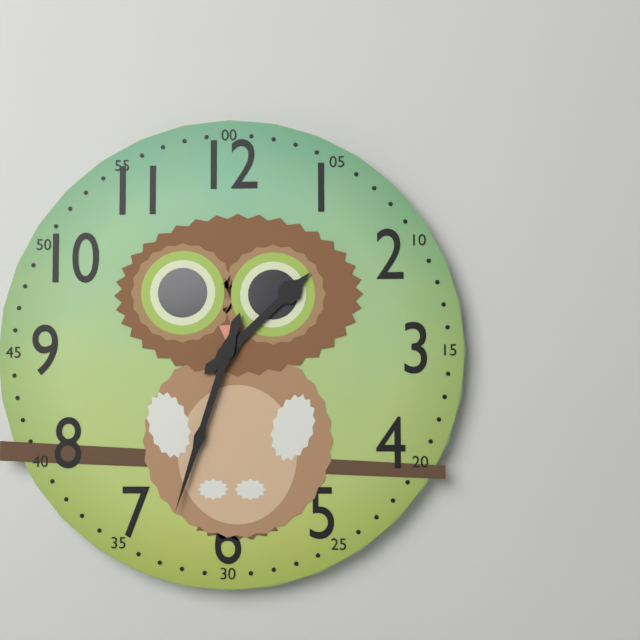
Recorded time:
{"hour": 1, "minute": 33}
